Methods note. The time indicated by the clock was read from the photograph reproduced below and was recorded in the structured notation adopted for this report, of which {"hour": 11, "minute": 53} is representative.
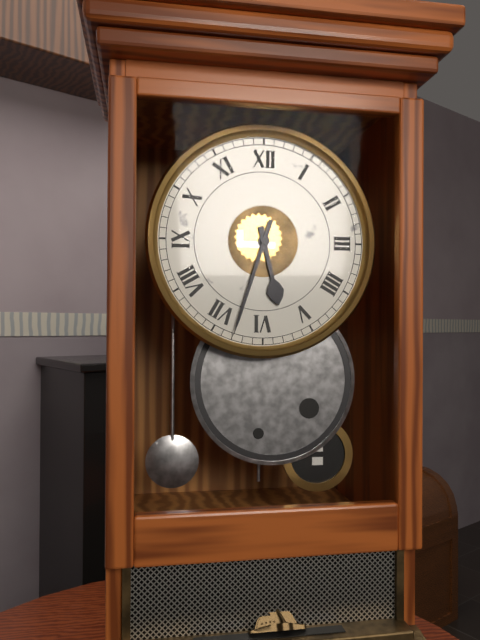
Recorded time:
{"hour": 5, "minute": 33}
